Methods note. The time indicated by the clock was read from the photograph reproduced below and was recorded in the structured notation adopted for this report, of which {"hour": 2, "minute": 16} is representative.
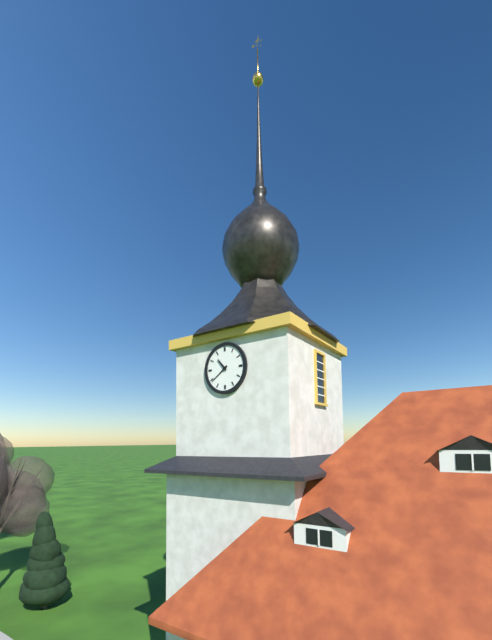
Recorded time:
{"hour": 10, "minute": 39}
